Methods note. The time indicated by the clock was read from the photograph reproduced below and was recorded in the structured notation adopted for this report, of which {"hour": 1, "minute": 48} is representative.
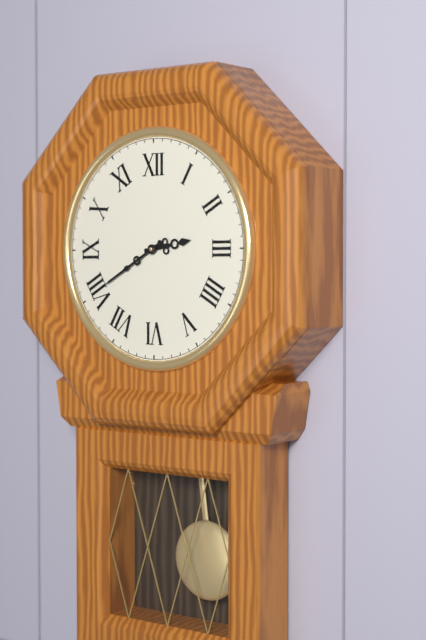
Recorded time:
{"hour": 2, "minute": 40}
